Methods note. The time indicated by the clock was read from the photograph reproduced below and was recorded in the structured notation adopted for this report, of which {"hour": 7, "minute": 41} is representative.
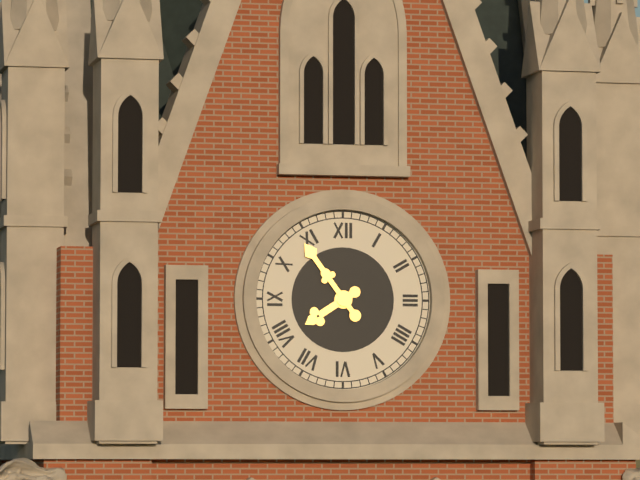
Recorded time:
{"hour": 7, "minute": 54}
